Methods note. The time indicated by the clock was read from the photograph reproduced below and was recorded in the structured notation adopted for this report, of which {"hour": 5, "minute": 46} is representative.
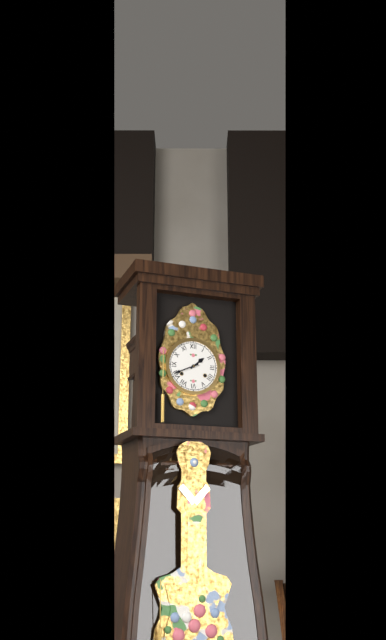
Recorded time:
{"hour": 1, "minute": 41}
